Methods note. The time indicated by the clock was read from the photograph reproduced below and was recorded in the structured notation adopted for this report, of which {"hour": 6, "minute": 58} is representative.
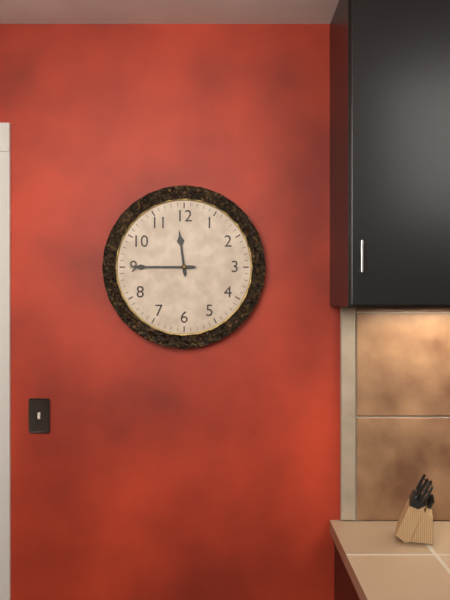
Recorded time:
{"hour": 11, "minute": 45}
